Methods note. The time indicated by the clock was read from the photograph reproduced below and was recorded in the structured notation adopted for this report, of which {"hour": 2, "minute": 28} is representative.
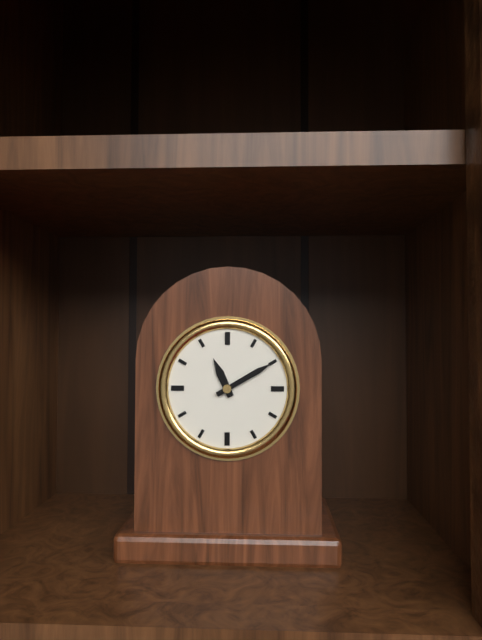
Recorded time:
{"hour": 11, "minute": 10}
